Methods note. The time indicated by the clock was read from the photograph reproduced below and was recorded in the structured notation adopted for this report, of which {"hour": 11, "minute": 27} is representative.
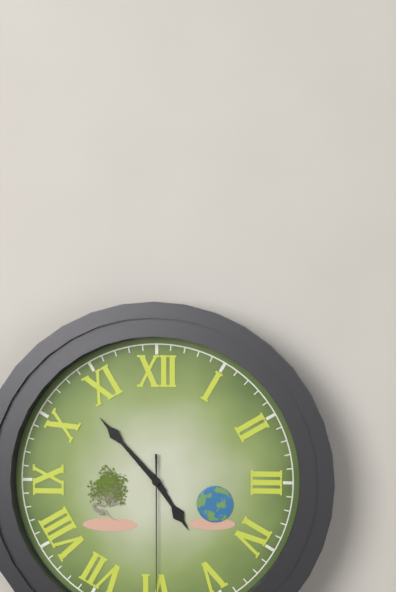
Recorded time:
{"hour": 4, "minute": 53}
